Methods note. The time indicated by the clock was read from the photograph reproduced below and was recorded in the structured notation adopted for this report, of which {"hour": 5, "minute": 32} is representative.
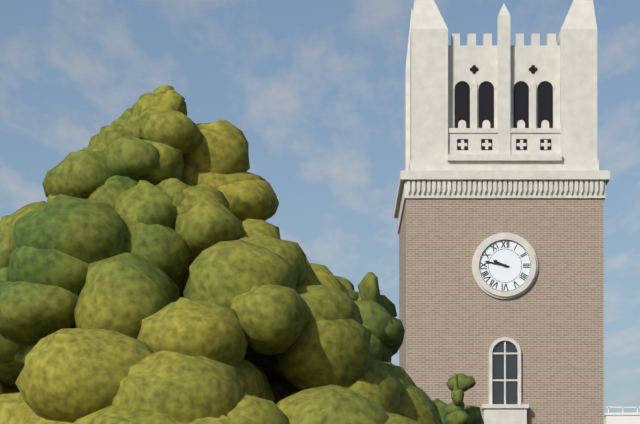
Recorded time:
{"hour": 9, "minute": 47}
